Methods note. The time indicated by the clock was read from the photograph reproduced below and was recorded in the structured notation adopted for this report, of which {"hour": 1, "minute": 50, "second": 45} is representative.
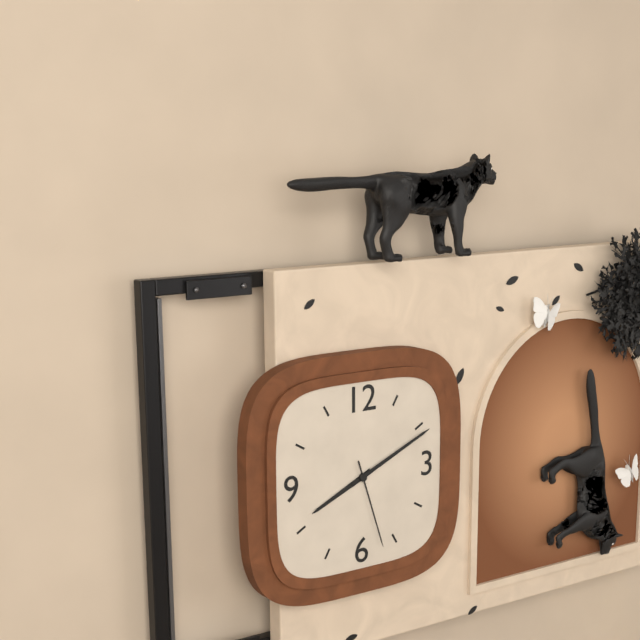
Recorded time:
{"hour": 8, "minute": 11, "second": 27}
